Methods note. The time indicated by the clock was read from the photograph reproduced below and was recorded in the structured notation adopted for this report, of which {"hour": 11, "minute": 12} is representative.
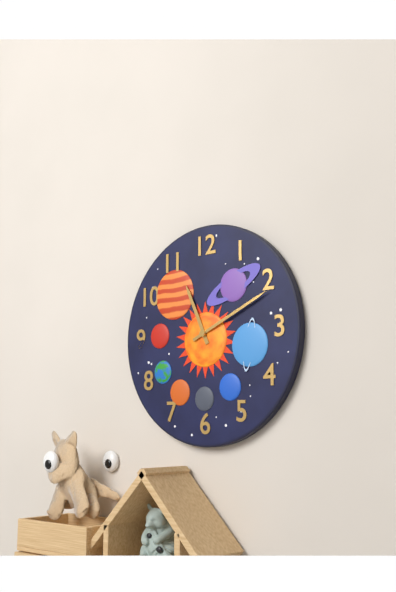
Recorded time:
{"hour": 11, "minute": 11}
